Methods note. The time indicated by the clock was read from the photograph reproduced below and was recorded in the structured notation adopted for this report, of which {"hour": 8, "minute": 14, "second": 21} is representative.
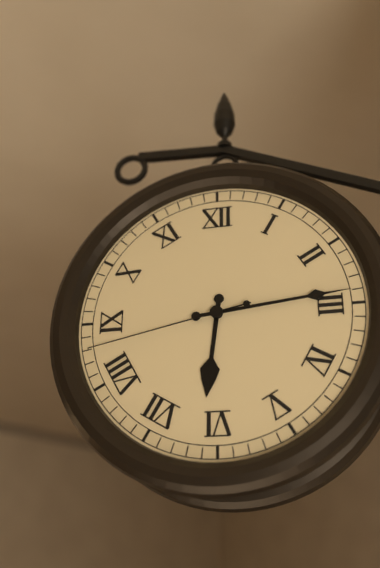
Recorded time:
{"hour": 6, "minute": 14, "second": 43}
